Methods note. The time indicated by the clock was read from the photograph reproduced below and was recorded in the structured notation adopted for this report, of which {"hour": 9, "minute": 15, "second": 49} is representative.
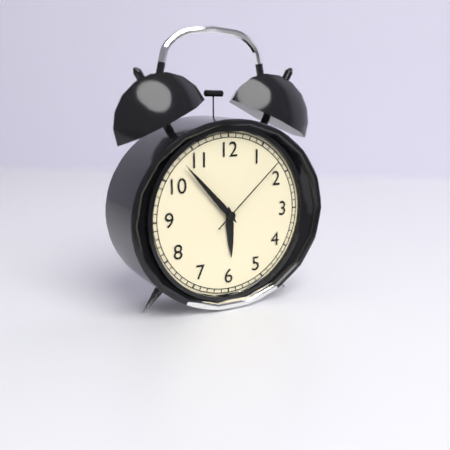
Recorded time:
{"hour": 5, "minute": 53, "second": 8}
